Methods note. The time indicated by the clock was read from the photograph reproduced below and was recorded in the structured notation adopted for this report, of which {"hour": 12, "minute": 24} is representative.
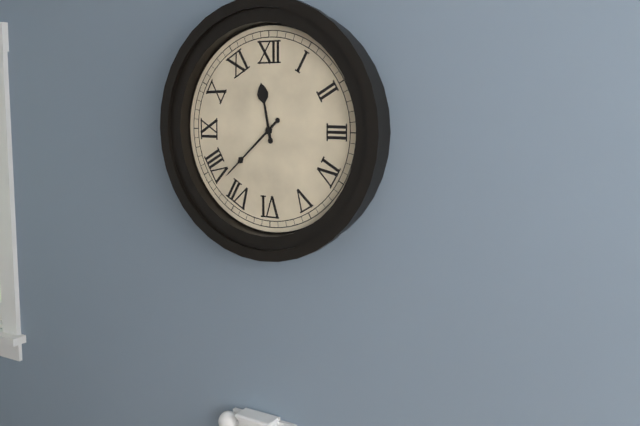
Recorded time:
{"hour": 11, "minute": 38}
